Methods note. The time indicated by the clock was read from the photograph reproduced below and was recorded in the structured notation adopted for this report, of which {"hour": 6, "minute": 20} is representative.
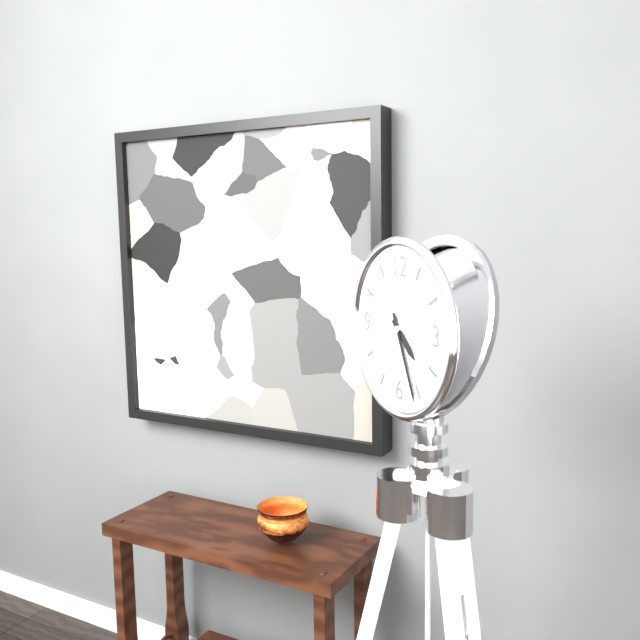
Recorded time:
{"hour": 4, "minute": 26}
